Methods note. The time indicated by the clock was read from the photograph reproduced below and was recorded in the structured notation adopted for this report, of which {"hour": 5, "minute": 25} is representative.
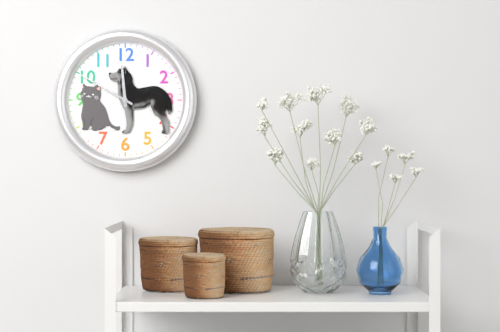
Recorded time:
{"hour": 11, "minute": 50}
